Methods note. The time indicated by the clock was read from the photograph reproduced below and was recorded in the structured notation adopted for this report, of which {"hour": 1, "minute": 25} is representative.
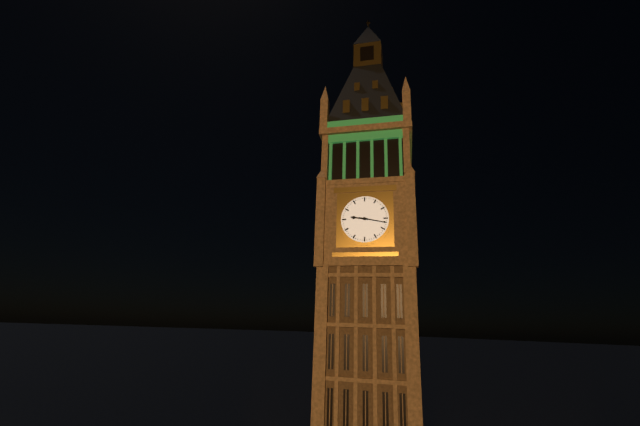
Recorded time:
{"hour": 9, "minute": 17}
